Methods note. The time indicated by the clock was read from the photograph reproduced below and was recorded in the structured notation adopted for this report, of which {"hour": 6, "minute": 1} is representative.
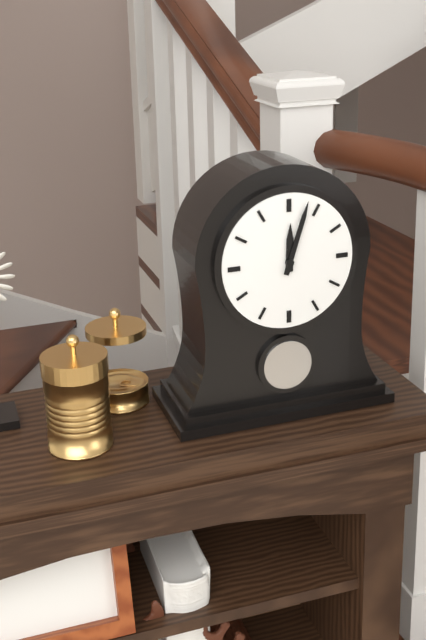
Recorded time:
{"hour": 12, "minute": 3}
